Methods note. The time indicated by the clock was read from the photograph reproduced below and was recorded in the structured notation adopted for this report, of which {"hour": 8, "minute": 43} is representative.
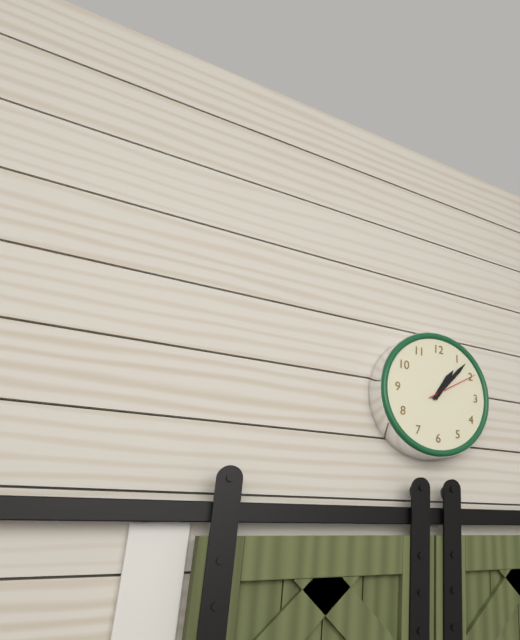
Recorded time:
{"hour": 1, "minute": 7}
